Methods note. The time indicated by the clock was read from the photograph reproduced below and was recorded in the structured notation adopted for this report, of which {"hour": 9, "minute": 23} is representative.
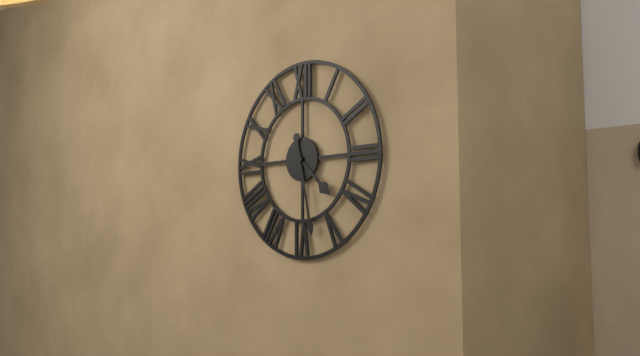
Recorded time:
{"hour": 4, "minute": 28}
